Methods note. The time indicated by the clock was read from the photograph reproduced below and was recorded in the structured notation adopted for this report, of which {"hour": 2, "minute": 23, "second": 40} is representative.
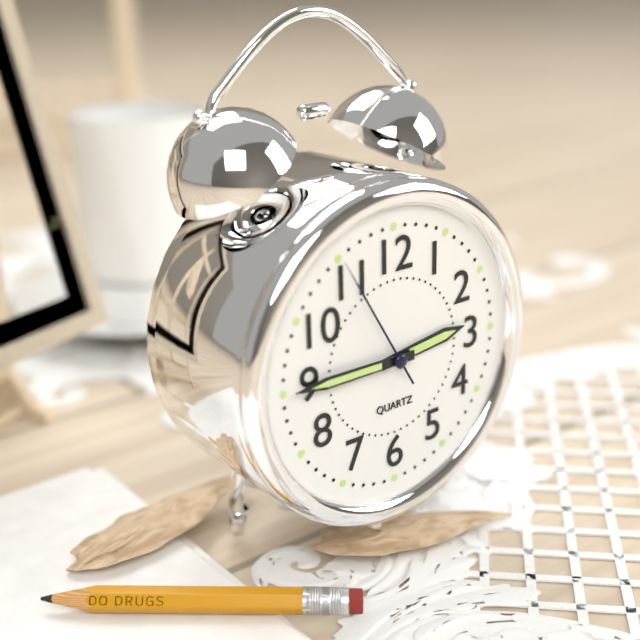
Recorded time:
{"hour": 2, "minute": 45, "second": 55}
